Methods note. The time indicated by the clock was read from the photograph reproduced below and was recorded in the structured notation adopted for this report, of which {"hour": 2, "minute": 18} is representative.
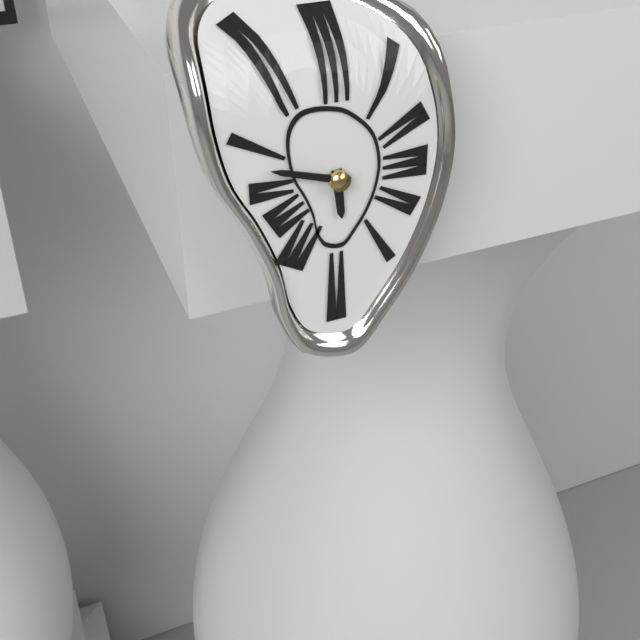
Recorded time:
{"hour": 5, "minute": 48}
